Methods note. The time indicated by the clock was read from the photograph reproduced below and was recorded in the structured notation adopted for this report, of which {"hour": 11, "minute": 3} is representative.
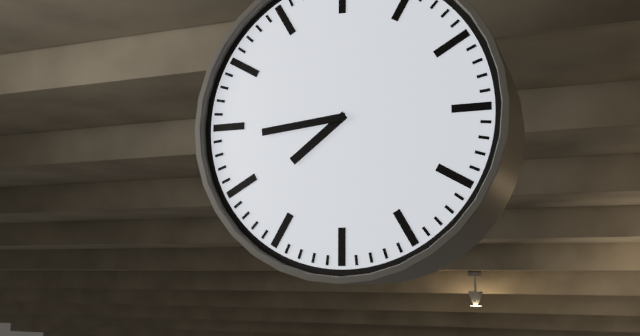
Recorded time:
{"hour": 7, "minute": 44}
